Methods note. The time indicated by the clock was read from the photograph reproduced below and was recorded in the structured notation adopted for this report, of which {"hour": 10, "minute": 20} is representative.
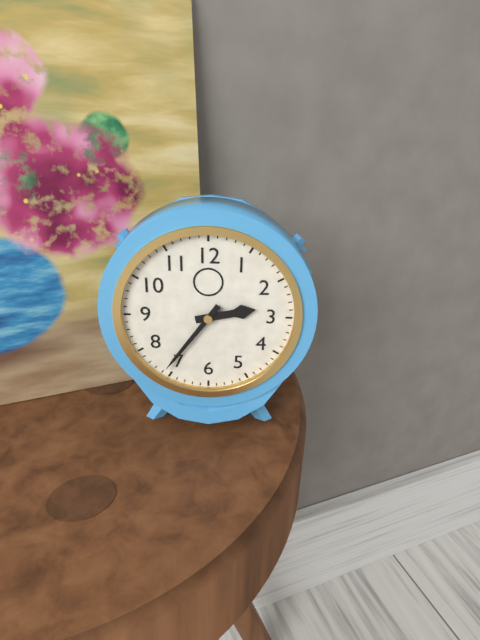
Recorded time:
{"hour": 2, "minute": 36}
